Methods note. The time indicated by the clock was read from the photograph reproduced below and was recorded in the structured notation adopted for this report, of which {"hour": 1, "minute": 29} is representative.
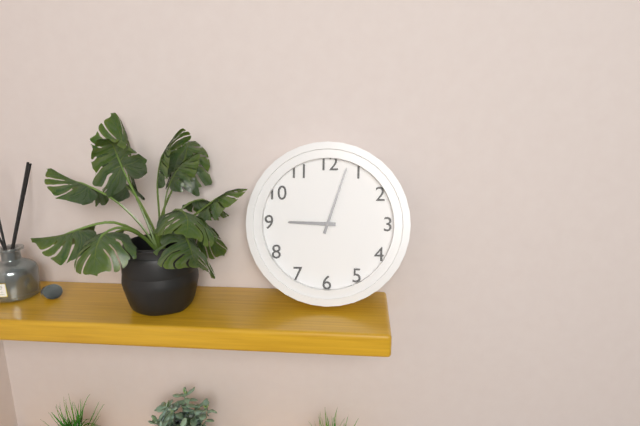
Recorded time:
{"hour": 9, "minute": 3}
